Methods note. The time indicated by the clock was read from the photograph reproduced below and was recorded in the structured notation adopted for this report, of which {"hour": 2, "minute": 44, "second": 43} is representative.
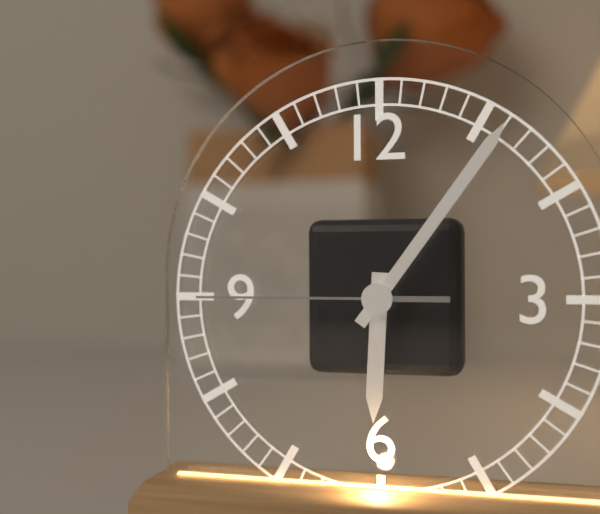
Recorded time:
{"hour": 6, "minute": 6, "second": 45}
